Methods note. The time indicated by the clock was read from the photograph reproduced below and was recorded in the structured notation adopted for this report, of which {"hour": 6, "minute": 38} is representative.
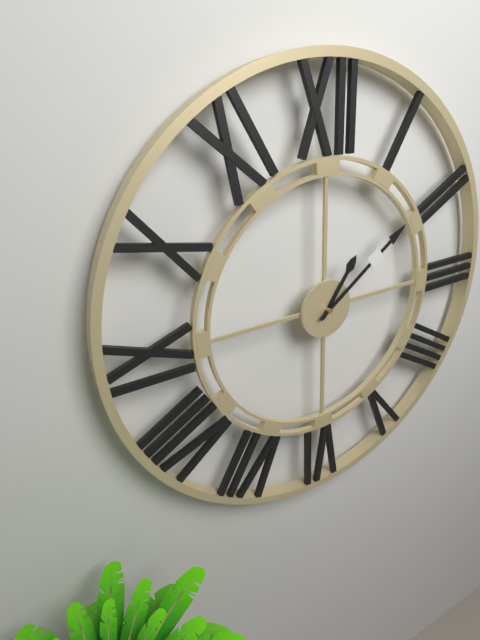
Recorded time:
{"hour": 1, "minute": 9}
